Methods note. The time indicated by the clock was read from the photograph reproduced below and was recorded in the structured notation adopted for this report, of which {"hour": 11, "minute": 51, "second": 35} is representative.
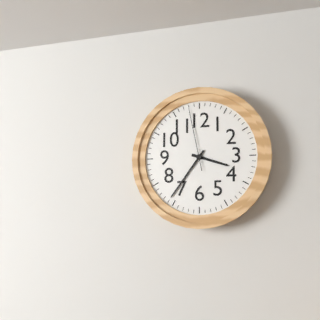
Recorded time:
{"hour": 3, "minute": 36, "second": 58}
